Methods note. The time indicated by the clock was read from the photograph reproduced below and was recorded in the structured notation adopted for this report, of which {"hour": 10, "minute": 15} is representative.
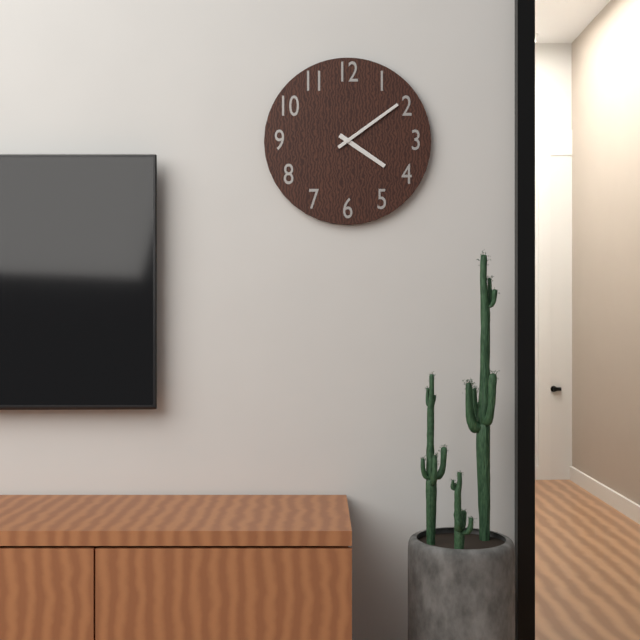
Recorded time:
{"hour": 4, "minute": 9}
